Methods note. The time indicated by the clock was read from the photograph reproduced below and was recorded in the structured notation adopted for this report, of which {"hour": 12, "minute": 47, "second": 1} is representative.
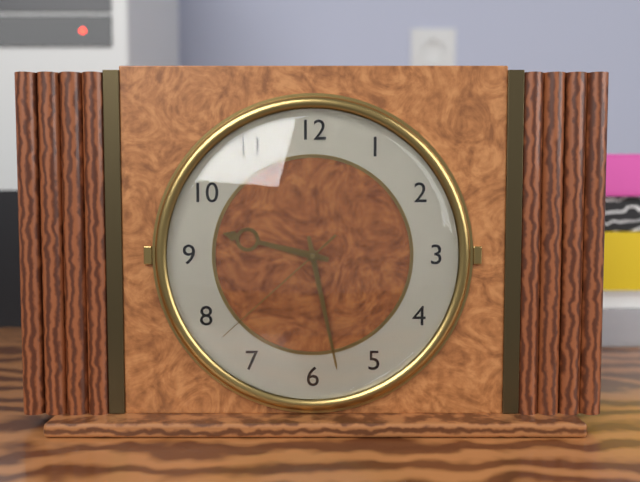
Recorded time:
{"hour": 9, "minute": 28, "second": 38}
